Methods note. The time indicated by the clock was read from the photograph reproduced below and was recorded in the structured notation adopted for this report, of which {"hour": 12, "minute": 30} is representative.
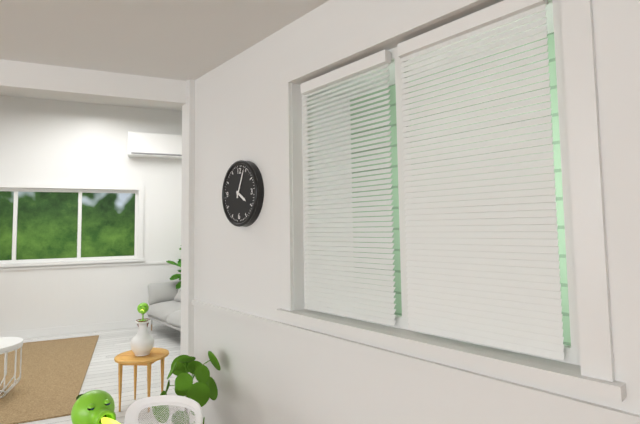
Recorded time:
{"hour": 4, "minute": 4}
